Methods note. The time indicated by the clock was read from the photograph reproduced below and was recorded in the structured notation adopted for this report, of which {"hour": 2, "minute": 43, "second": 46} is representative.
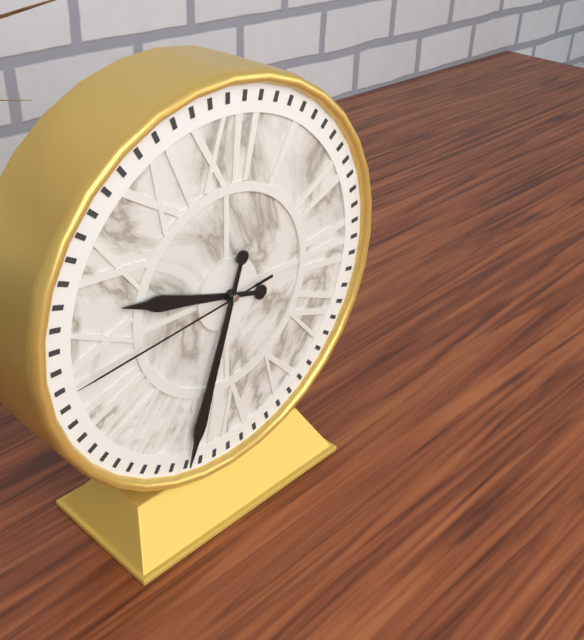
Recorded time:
{"hour": 9, "minute": 33, "second": 44}
